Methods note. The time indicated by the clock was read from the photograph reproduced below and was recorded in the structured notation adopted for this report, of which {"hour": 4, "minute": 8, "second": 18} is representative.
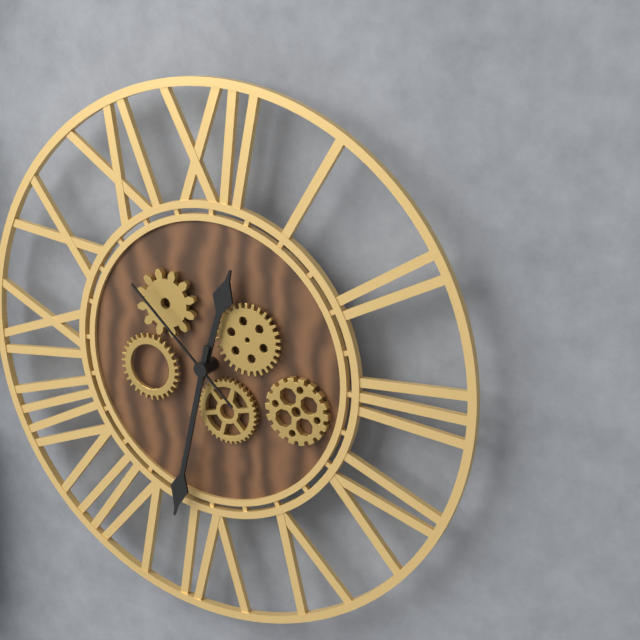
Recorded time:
{"hour": 12, "minute": 32, "second": 52}
